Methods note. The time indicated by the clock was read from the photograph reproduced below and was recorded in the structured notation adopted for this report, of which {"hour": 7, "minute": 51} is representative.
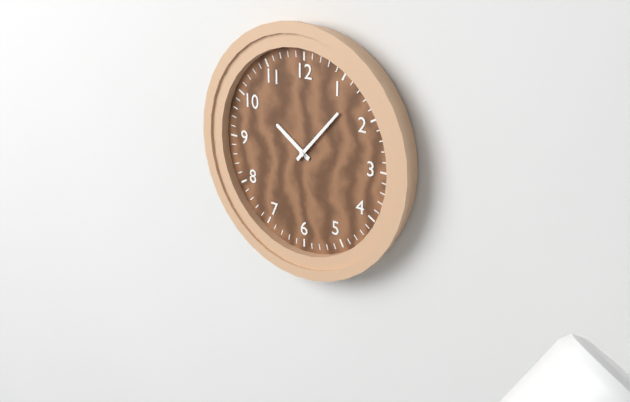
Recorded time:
{"hour": 10, "minute": 7}
